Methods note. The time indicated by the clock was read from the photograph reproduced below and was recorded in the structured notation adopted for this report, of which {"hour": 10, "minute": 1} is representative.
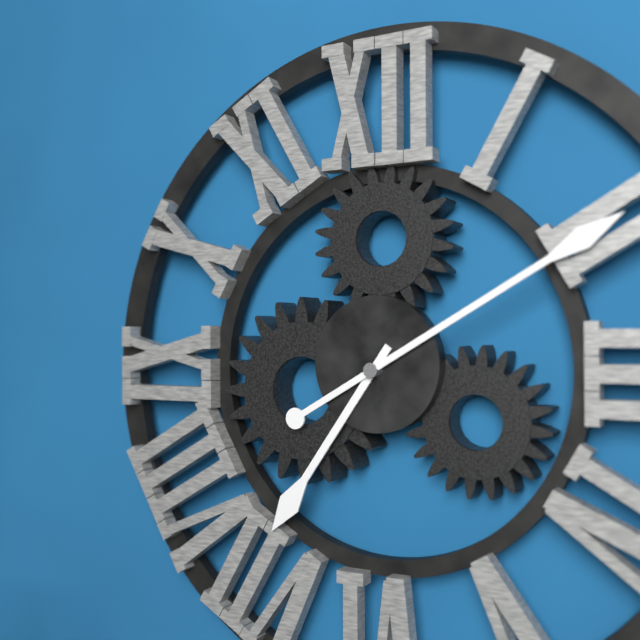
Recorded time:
{"hour": 7, "minute": 10}
